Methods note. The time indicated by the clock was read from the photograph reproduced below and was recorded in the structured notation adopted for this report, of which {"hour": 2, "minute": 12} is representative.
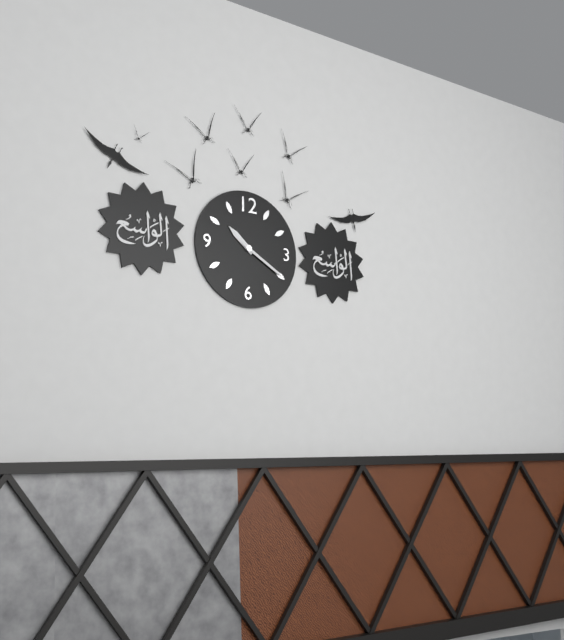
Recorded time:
{"hour": 10, "minute": 20}
